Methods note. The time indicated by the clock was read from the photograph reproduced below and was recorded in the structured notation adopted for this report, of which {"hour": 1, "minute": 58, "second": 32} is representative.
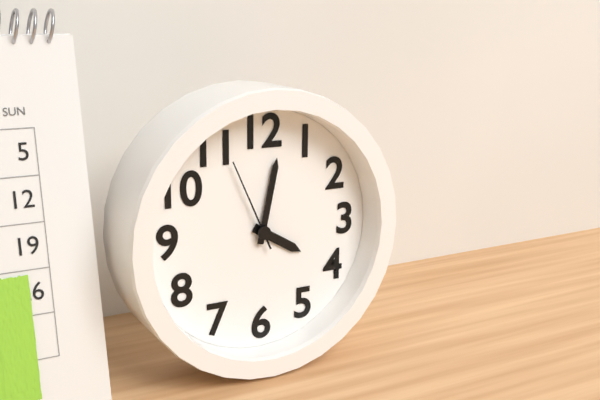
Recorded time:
{"hour": 4, "minute": 2, "second": 56}
